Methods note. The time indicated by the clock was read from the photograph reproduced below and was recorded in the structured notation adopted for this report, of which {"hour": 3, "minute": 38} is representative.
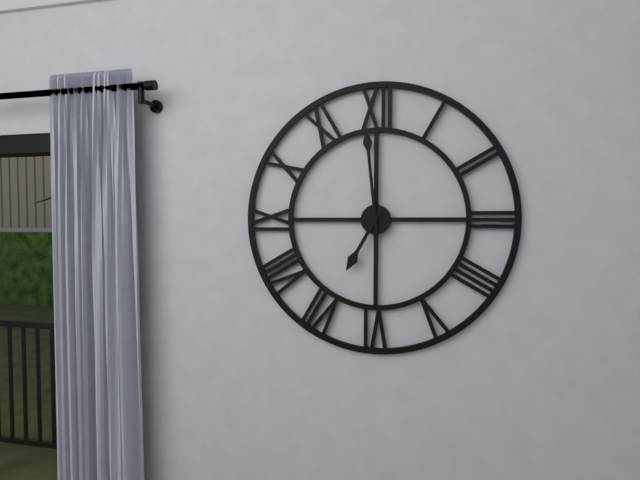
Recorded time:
{"hour": 6, "minute": 59}
